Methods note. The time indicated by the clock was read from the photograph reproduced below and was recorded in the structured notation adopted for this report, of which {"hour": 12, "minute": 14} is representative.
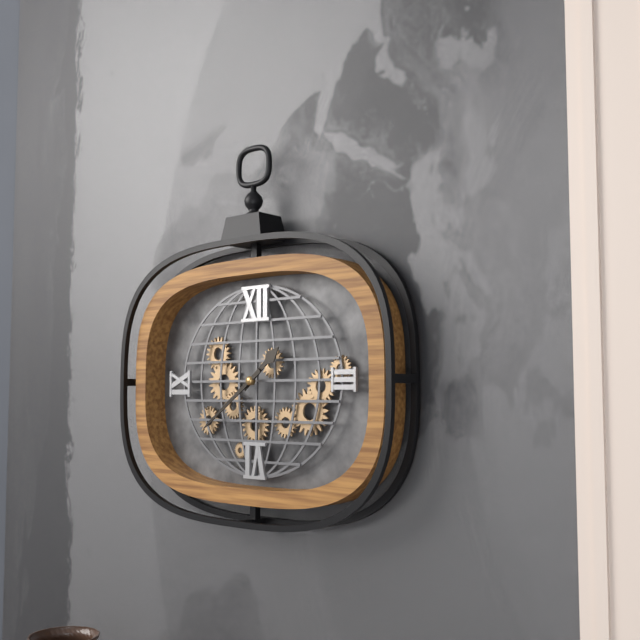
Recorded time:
{"hour": 1, "minute": 39}
